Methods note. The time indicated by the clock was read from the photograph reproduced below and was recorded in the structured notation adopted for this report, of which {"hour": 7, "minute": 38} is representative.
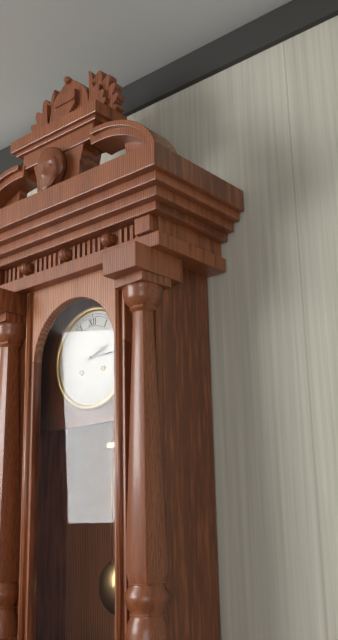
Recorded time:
{"hour": 2, "minute": 15}
